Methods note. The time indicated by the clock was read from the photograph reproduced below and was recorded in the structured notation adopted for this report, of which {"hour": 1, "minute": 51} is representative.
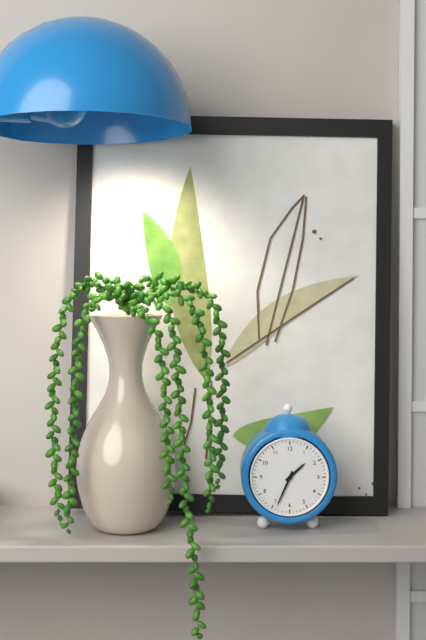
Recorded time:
{"hour": 1, "minute": 34}
